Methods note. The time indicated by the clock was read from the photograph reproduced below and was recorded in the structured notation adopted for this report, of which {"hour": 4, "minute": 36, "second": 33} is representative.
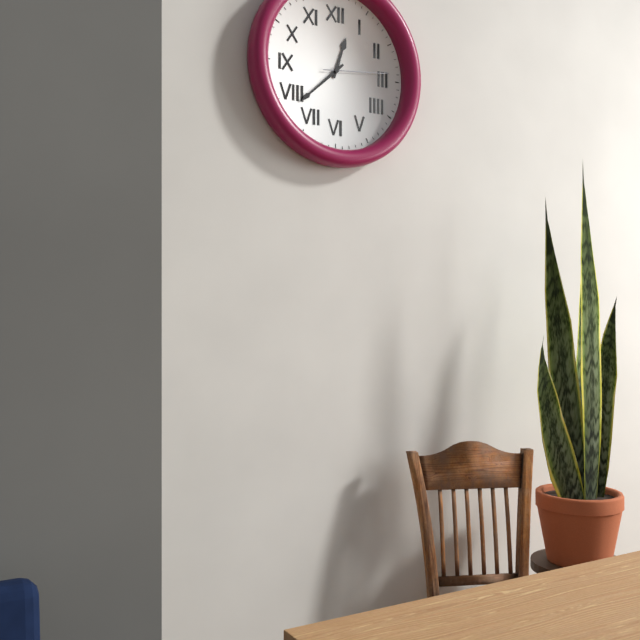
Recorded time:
{"hour": 12, "minute": 38, "second": 14}
